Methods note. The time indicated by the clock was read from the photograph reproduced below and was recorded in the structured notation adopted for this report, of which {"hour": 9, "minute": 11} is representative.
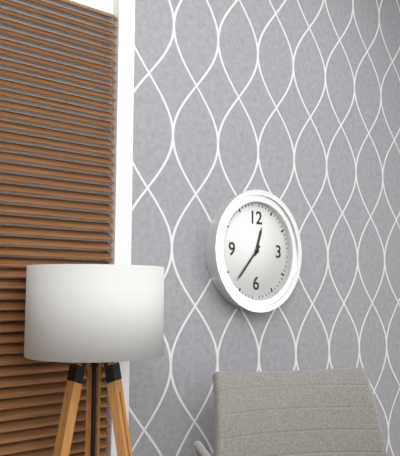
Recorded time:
{"hour": 12, "minute": 37}
